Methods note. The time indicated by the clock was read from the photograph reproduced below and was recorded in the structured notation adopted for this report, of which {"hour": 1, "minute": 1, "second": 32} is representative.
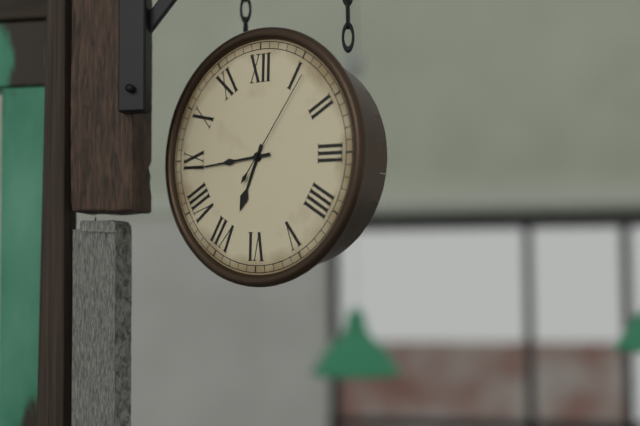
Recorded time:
{"hour": 6, "minute": 44, "second": 6}
